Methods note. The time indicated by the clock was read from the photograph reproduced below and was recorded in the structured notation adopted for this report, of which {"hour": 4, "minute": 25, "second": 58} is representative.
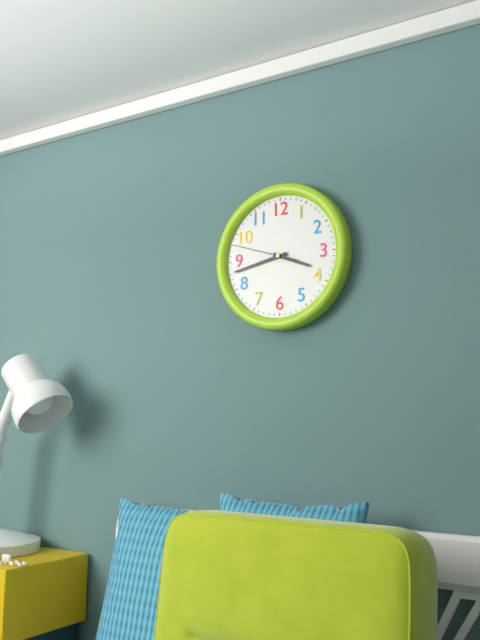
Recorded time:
{"hour": 3, "minute": 43, "second": 48}
